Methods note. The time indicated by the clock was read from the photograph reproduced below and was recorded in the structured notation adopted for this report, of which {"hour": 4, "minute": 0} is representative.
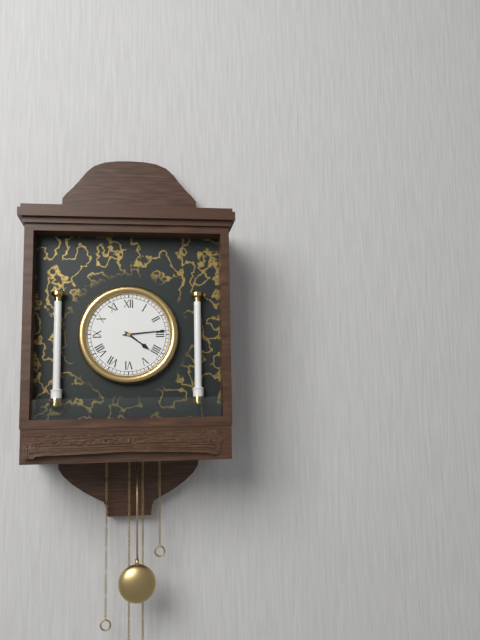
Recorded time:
{"hour": 4, "minute": 14}
